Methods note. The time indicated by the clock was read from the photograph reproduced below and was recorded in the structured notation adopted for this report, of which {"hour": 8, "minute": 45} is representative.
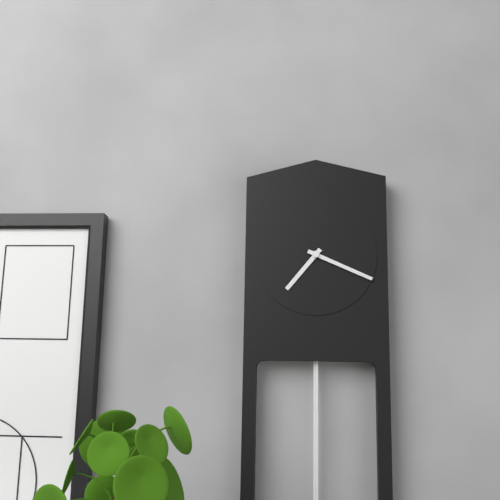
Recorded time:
{"hour": 7, "minute": 19}
